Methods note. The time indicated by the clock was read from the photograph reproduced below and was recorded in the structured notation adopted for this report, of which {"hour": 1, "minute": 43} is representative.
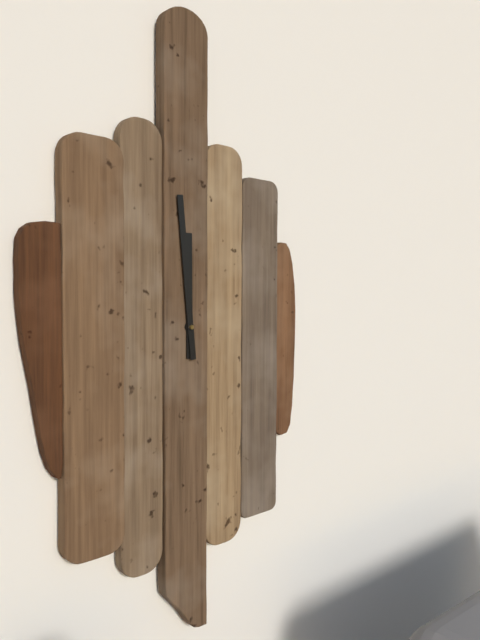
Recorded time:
{"hour": 11, "minute": 59}
